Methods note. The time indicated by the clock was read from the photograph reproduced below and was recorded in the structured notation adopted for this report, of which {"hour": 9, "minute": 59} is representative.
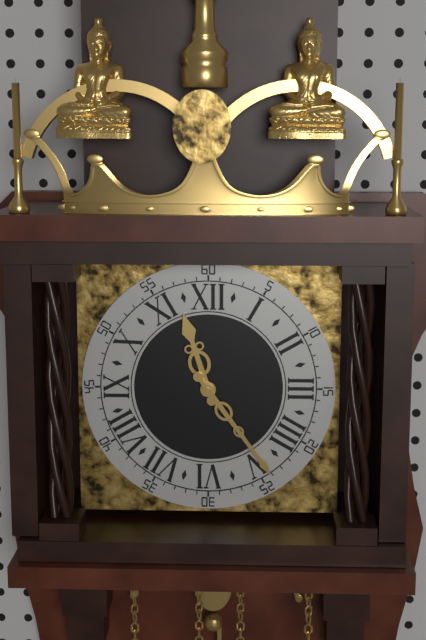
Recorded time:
{"hour": 11, "minute": 24}
